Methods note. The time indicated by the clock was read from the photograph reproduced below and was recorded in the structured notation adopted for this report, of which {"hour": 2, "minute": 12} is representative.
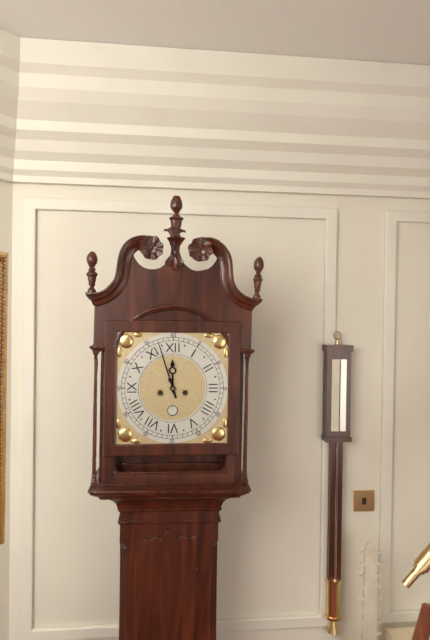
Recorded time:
{"hour": 11, "minute": 57}
